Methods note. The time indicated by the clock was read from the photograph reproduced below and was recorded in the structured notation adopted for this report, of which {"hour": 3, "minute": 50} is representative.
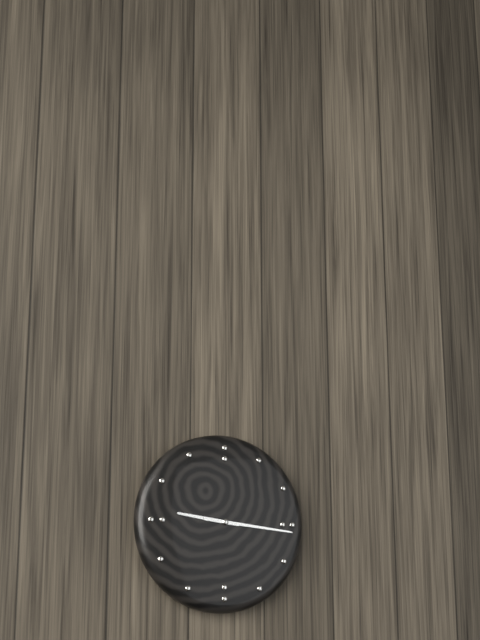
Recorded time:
{"hour": 9, "minute": 16}
